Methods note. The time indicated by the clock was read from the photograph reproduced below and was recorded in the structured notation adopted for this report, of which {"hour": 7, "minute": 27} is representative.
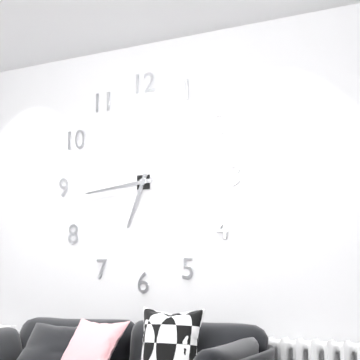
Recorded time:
{"hour": 6, "minute": 44}
